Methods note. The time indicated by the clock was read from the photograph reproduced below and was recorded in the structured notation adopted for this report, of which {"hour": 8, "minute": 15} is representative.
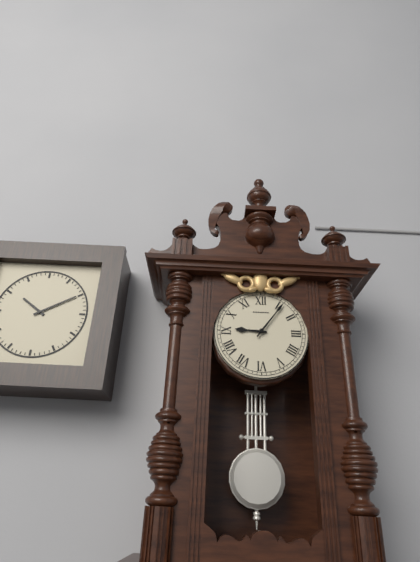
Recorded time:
{"hour": 9, "minute": 6}
